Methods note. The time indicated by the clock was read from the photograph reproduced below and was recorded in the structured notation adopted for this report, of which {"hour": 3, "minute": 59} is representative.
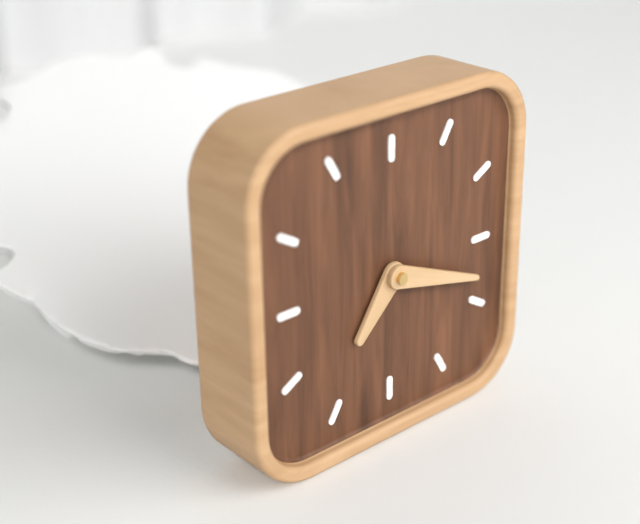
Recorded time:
{"hour": 7, "minute": 18}
